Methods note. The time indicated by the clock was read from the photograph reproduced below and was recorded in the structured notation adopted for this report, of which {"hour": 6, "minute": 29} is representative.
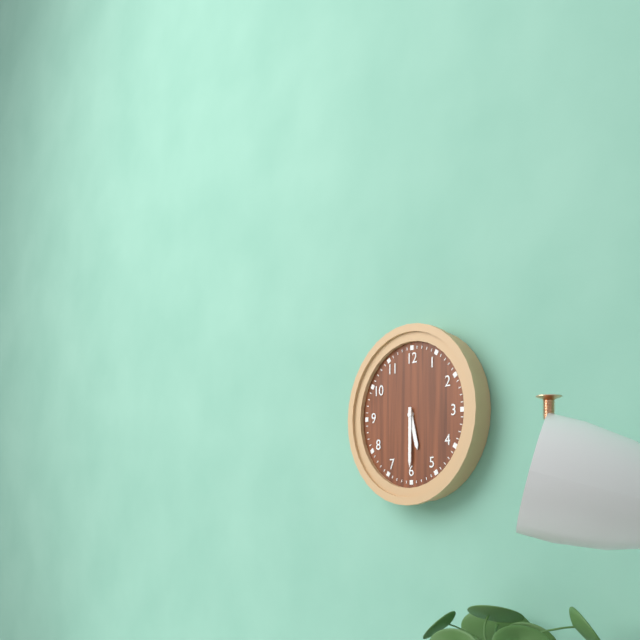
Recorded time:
{"hour": 5, "minute": 30}
